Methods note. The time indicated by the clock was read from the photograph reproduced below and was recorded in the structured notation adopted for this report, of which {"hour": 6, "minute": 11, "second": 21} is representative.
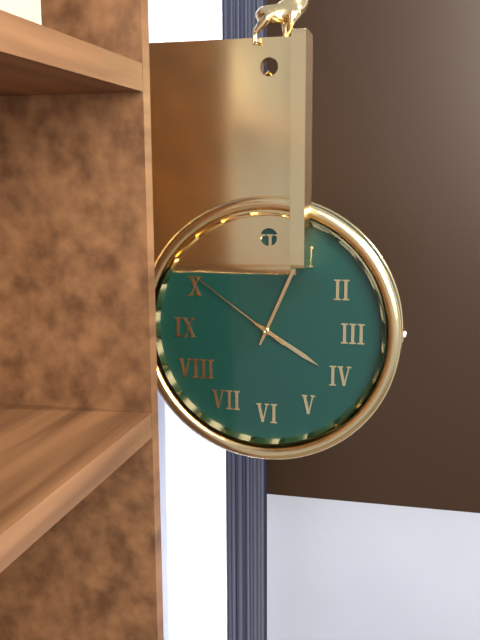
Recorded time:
{"hour": 4, "minute": 4, "second": 51}
